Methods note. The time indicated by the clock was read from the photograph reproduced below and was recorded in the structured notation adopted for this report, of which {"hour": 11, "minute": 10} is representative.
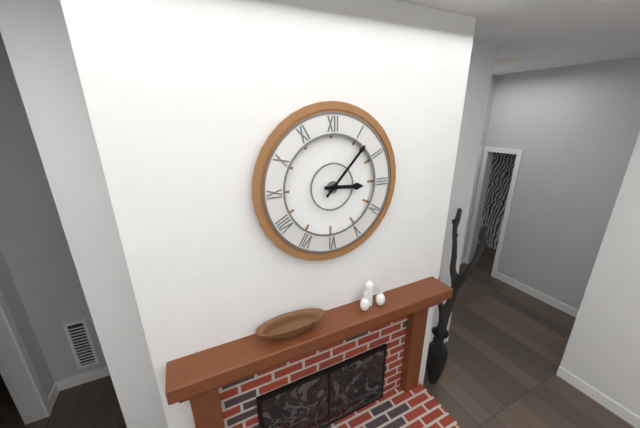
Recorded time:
{"hour": 3, "minute": 7}
